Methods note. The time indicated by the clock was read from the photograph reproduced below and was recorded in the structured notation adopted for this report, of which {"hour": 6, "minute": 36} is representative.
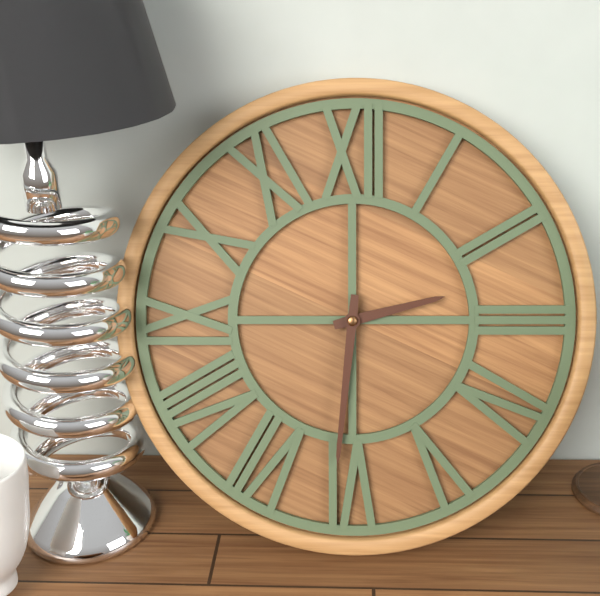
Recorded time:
{"hour": 2, "minute": 31}
